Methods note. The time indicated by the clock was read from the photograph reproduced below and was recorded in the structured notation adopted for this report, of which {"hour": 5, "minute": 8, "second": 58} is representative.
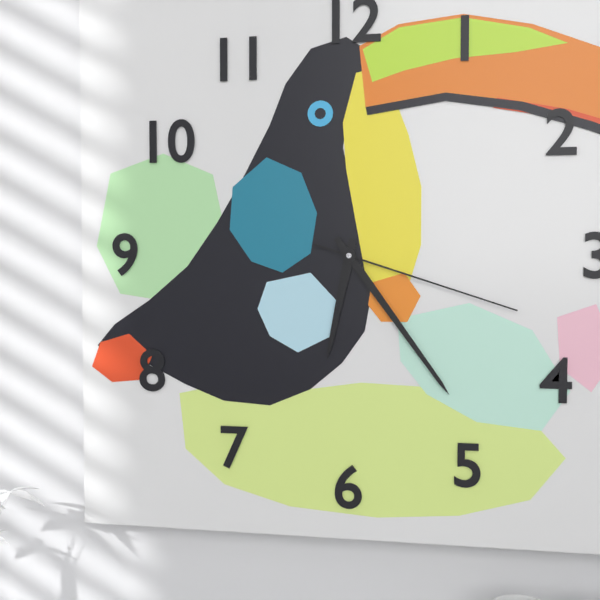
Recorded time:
{"hour": 6, "minute": 24, "second": 18}
